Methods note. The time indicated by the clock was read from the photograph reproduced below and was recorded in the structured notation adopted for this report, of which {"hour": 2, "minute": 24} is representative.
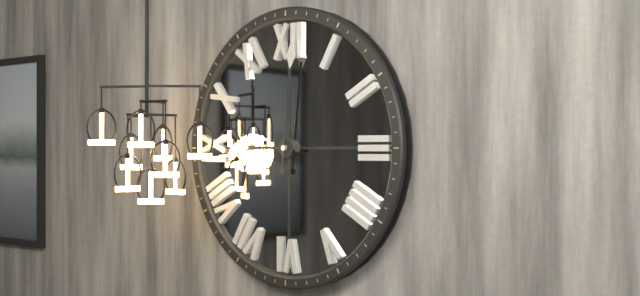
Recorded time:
{"hour": 9, "minute": 1}
